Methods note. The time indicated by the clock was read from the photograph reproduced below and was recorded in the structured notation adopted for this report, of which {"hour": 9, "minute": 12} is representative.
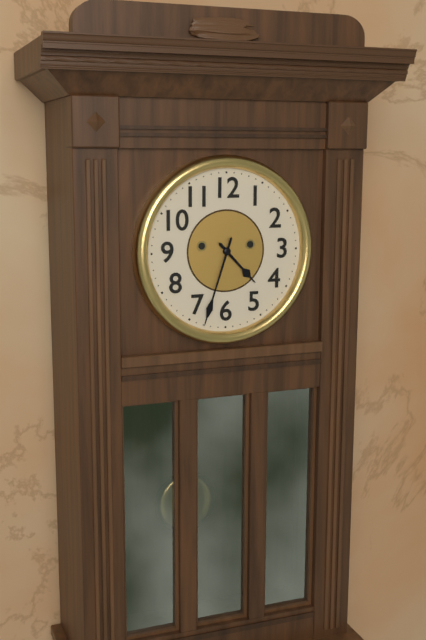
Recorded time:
{"hour": 4, "minute": 33}
